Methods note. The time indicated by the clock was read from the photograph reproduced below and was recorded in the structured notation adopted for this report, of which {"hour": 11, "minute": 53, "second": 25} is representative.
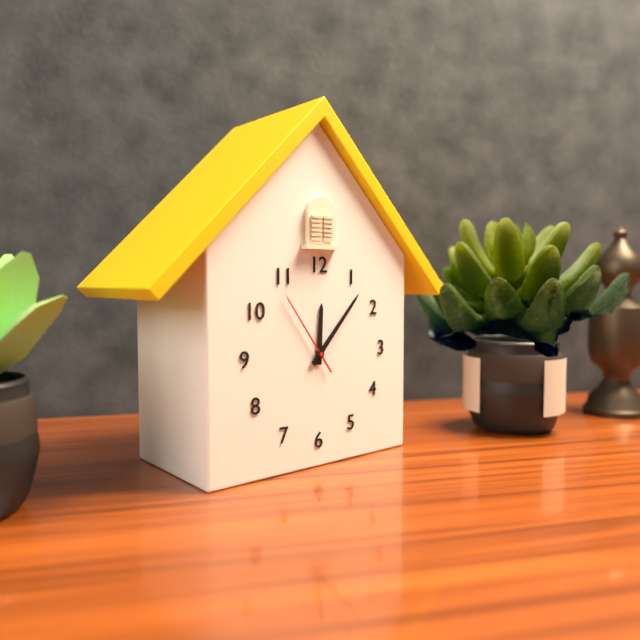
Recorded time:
{"hour": 12, "minute": 7, "second": 54}
